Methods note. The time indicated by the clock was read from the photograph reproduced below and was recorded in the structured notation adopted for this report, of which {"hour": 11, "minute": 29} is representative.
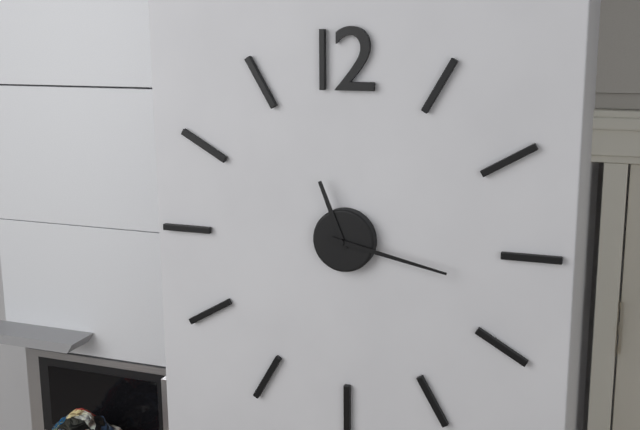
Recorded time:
{"hour": 11, "minute": 17}
